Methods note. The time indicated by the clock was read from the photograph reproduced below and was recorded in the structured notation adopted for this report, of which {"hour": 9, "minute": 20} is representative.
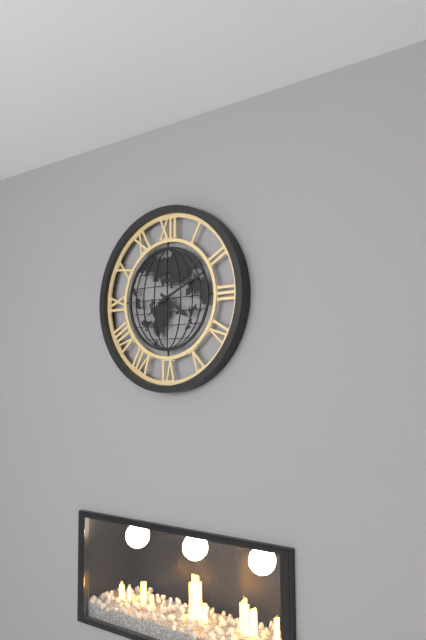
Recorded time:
{"hour": 4, "minute": 11}
